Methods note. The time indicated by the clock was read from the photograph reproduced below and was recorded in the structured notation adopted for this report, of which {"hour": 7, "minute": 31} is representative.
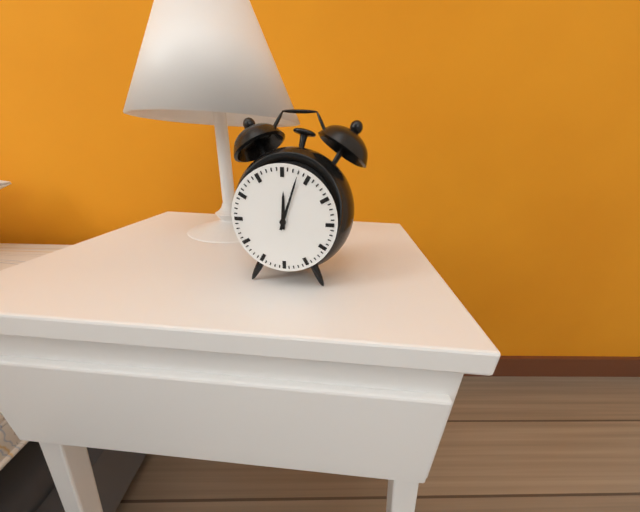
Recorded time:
{"hour": 12, "minute": 3}
